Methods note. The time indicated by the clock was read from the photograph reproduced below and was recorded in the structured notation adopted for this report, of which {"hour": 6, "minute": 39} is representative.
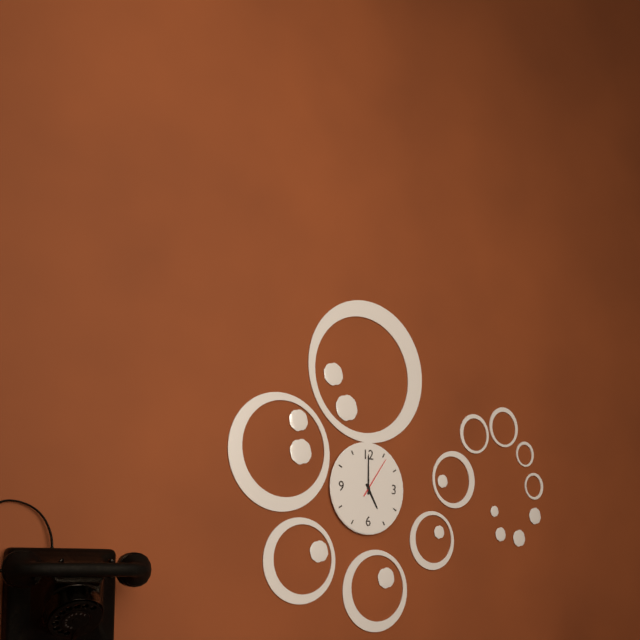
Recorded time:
{"hour": 5, "minute": 0}
